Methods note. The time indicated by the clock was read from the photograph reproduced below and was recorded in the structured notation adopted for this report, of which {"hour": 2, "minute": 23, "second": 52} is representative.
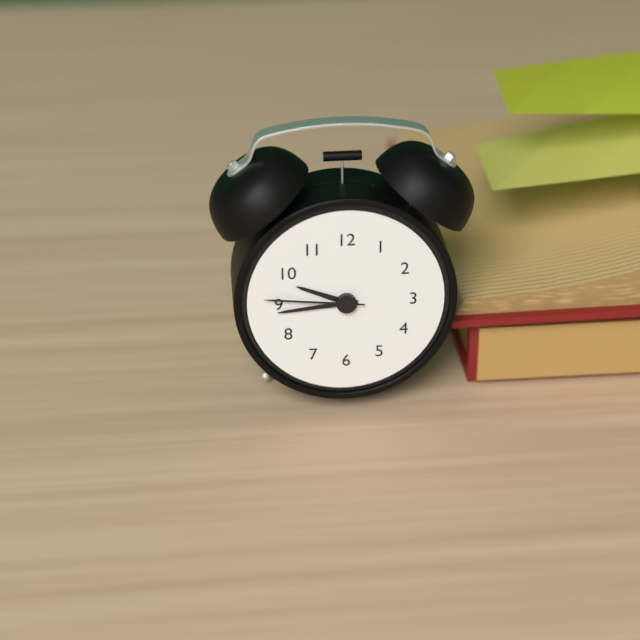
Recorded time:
{"hour": 9, "minute": 44, "second": 46}
